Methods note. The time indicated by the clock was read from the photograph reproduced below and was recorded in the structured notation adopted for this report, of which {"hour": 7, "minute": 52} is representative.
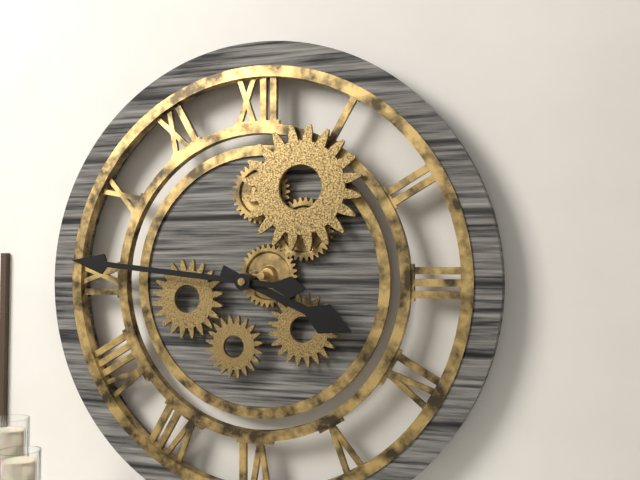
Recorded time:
{"hour": 3, "minute": 46}
